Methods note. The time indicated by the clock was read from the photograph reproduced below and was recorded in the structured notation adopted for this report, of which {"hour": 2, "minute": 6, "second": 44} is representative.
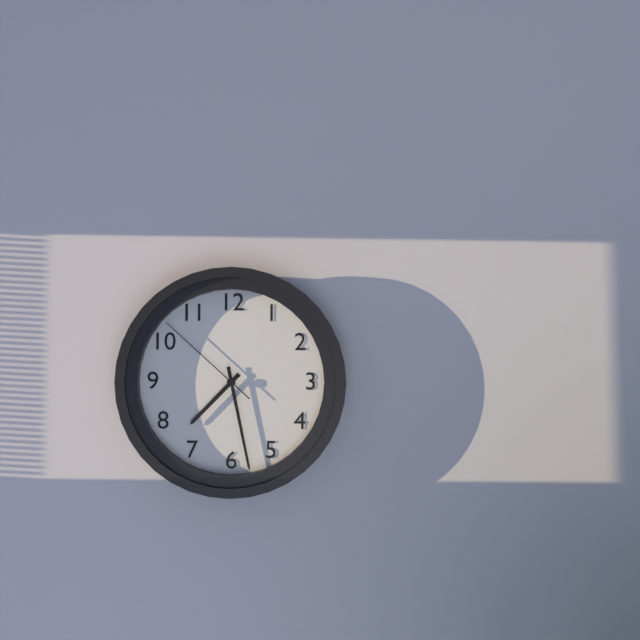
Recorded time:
{"hour": 7, "minute": 28, "second": 52}
